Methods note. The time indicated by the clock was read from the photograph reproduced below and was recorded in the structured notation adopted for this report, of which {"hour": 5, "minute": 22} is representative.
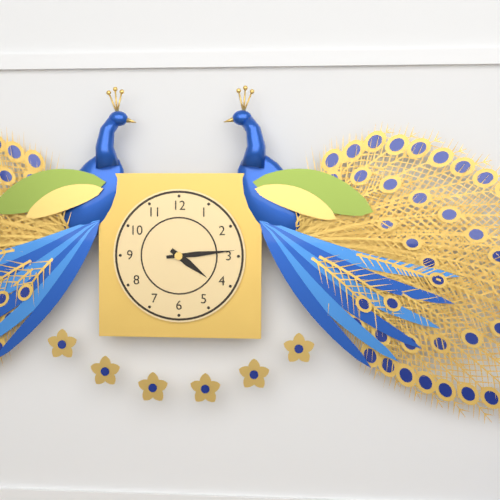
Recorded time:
{"hour": 4, "minute": 14}
